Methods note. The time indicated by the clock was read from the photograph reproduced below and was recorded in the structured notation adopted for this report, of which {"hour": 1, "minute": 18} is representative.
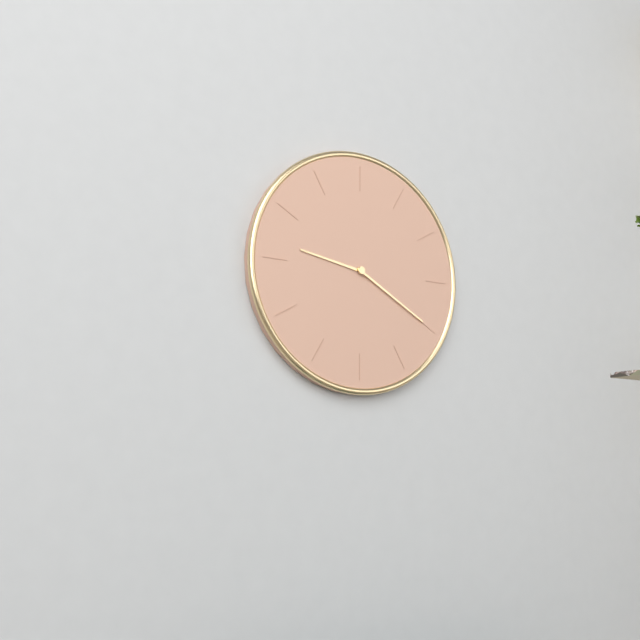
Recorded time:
{"hour": 9, "minute": 20}
